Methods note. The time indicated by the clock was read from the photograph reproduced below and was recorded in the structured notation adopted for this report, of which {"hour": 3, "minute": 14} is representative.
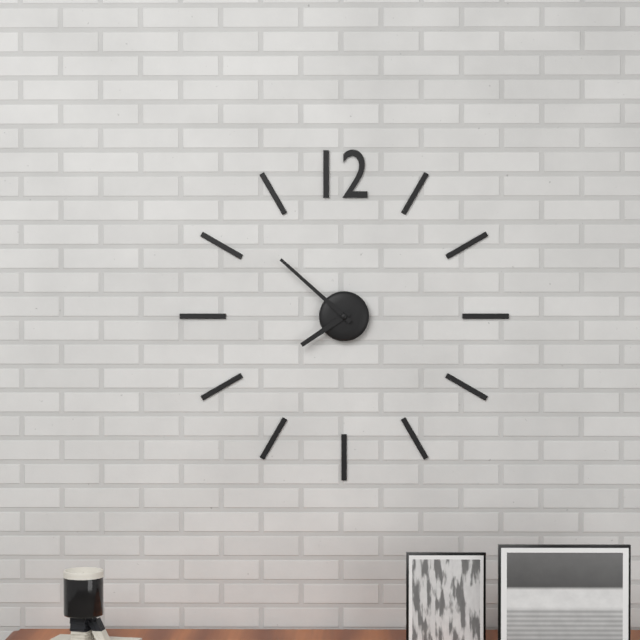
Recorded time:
{"hour": 7, "minute": 52}
